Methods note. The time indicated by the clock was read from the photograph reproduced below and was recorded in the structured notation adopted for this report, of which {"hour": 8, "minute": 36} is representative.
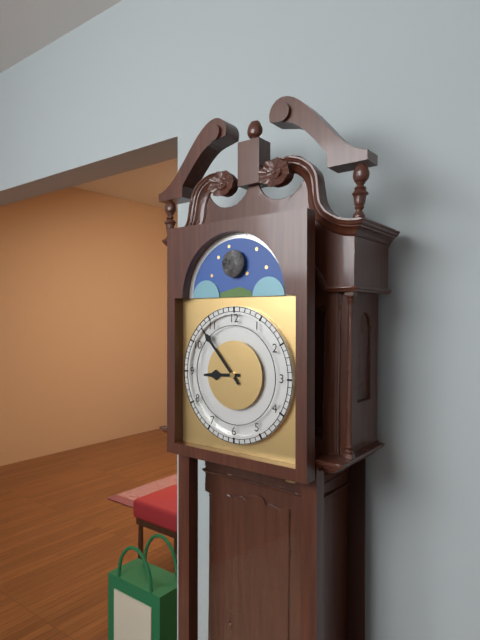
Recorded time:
{"hour": 8, "minute": 53}
